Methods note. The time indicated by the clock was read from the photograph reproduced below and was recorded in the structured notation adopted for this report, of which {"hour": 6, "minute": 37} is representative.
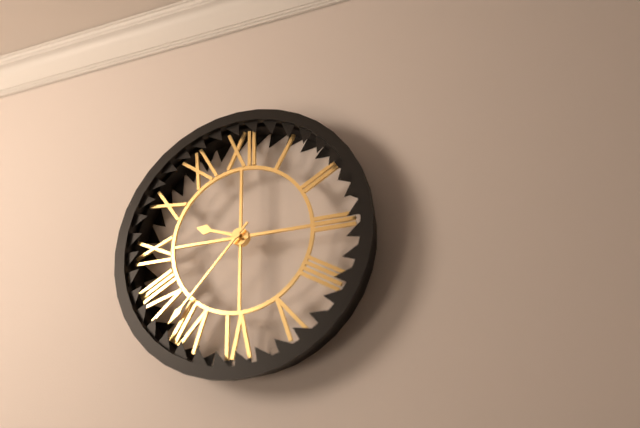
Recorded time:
{"hour": 9, "minute": 37}
